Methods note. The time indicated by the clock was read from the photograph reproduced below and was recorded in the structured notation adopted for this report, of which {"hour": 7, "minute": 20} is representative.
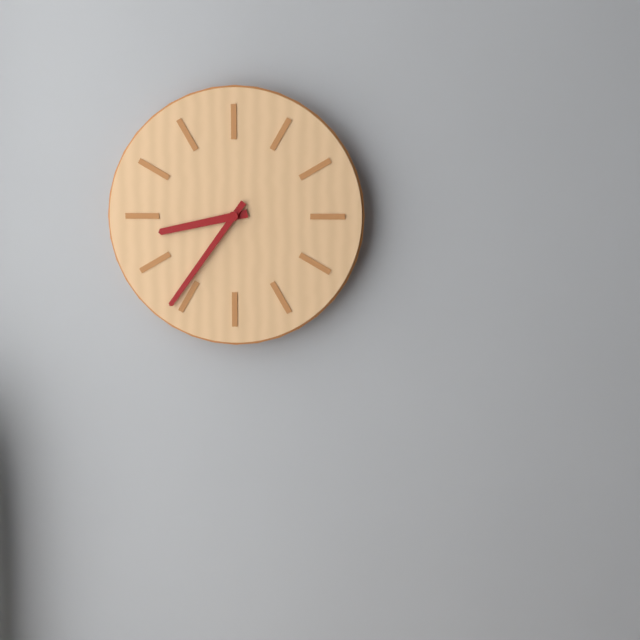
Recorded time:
{"hour": 8, "minute": 36}
